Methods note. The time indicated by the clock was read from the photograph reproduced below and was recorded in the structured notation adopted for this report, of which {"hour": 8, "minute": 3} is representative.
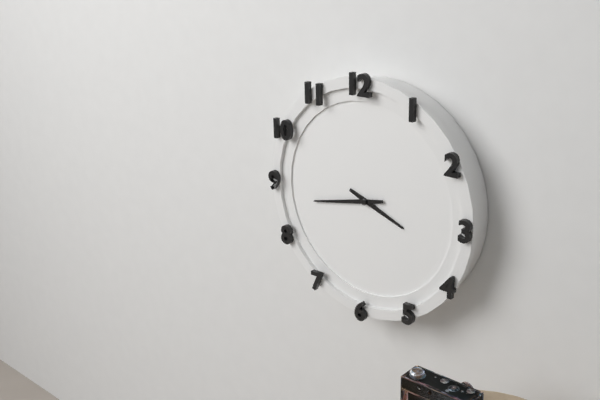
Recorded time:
{"hour": 3, "minute": 43}
